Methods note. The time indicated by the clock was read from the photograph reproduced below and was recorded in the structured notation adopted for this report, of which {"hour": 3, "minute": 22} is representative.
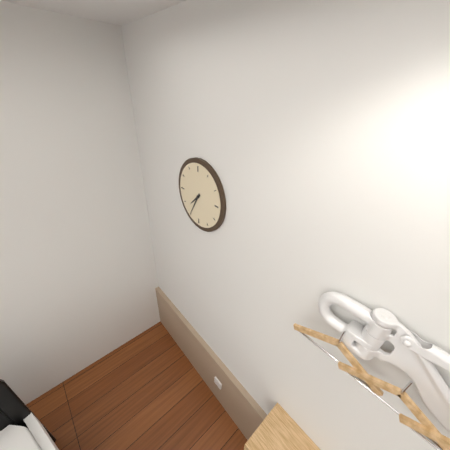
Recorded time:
{"hour": 7, "minute": 35}
